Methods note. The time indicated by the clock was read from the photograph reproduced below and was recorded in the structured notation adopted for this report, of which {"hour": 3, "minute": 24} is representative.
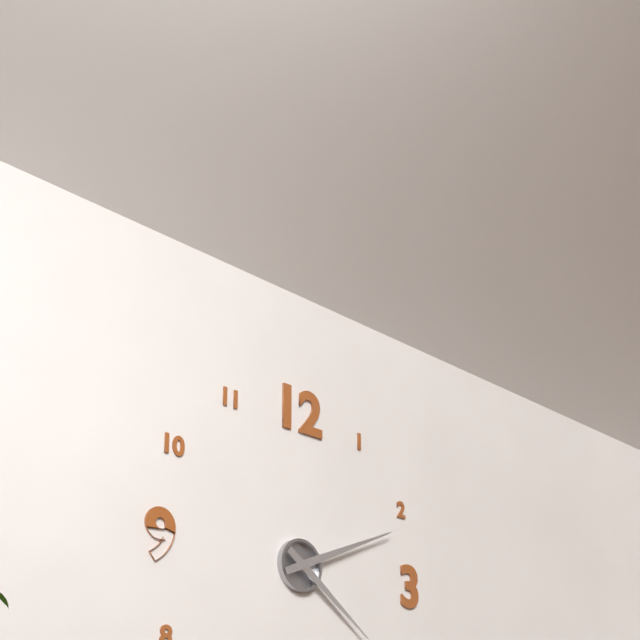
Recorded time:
{"hour": 4, "minute": 11}
